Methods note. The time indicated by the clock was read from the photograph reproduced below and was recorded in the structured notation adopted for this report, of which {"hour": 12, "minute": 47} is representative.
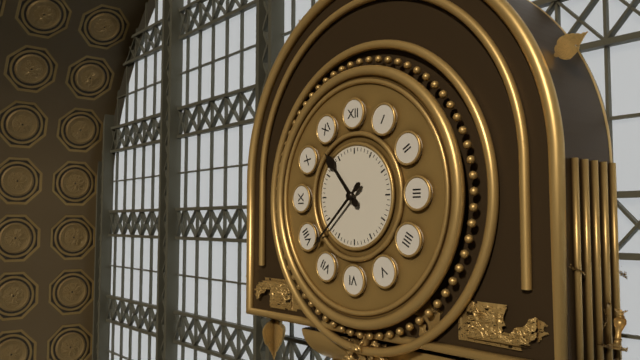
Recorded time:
{"hour": 10, "minute": 38}
